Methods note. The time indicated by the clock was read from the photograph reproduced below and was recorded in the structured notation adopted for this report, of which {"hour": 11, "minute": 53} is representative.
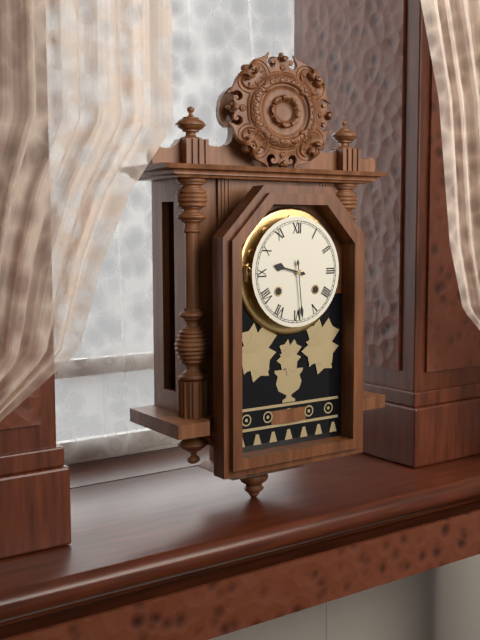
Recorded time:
{"hour": 9, "minute": 29}
